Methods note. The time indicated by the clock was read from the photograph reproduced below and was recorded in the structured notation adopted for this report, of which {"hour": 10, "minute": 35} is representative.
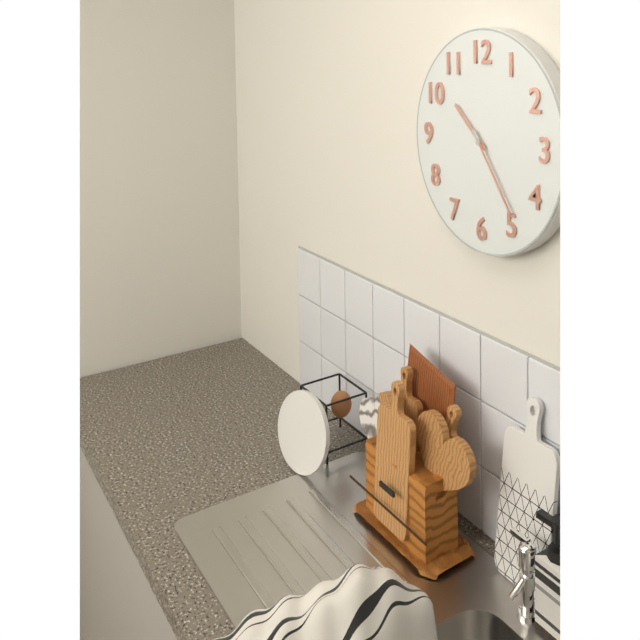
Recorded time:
{"hour": 10, "minute": 24}
